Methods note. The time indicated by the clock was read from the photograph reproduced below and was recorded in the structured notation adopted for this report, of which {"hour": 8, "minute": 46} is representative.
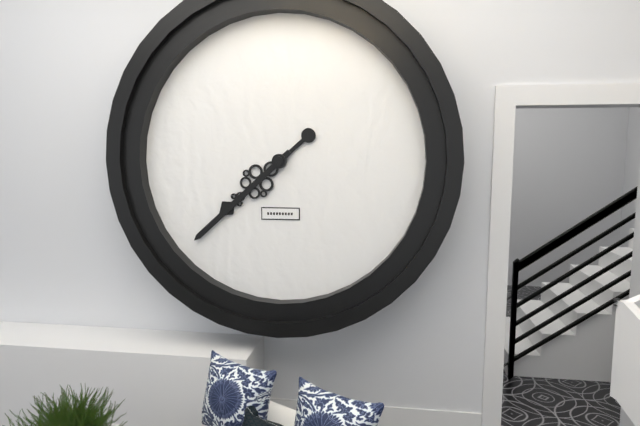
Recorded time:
{"hour": 7, "minute": 38}
